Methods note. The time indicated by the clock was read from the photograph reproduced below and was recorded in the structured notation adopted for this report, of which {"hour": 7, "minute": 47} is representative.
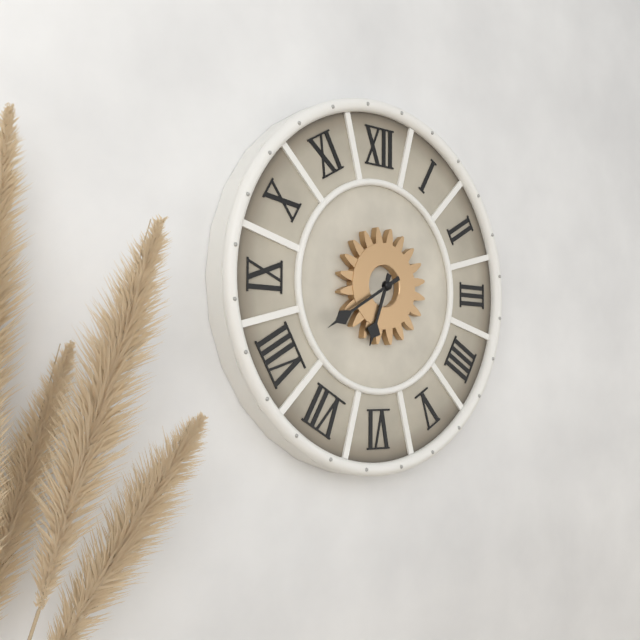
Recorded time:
{"hour": 6, "minute": 40}
